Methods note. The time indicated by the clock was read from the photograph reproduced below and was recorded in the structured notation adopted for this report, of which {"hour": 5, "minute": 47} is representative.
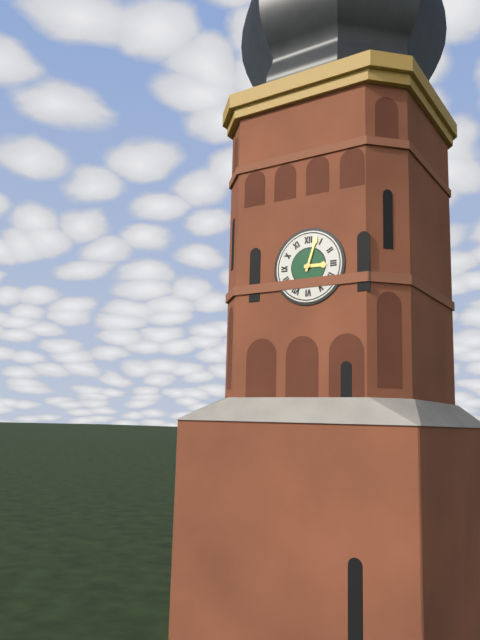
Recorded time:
{"hour": 3, "minute": 3}
